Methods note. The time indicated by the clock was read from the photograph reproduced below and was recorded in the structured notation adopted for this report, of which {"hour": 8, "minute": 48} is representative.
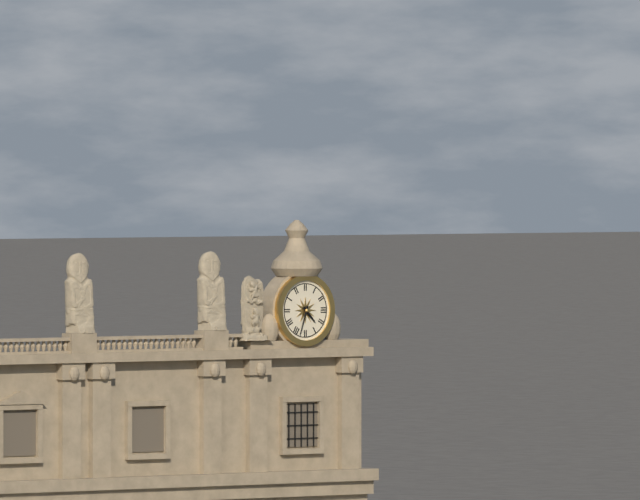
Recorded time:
{"hour": 4, "minute": 33}
